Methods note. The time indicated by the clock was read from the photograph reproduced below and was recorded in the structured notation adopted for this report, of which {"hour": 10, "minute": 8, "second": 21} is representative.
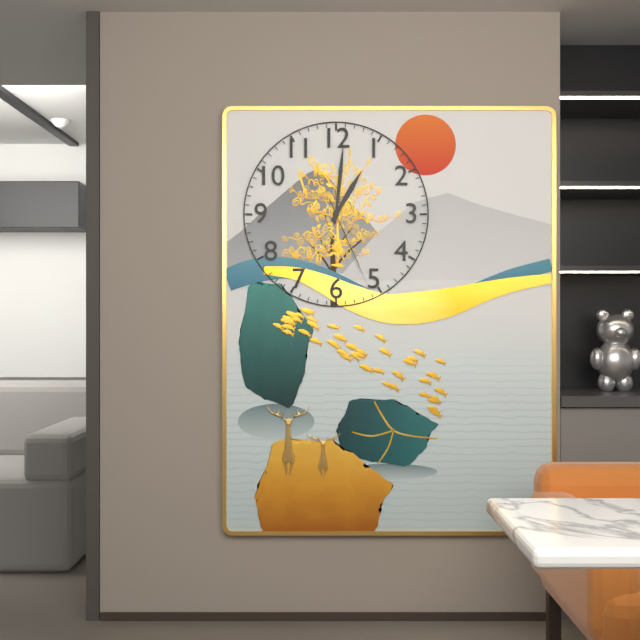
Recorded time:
{"hour": 1, "minute": 1, "second": 26}
